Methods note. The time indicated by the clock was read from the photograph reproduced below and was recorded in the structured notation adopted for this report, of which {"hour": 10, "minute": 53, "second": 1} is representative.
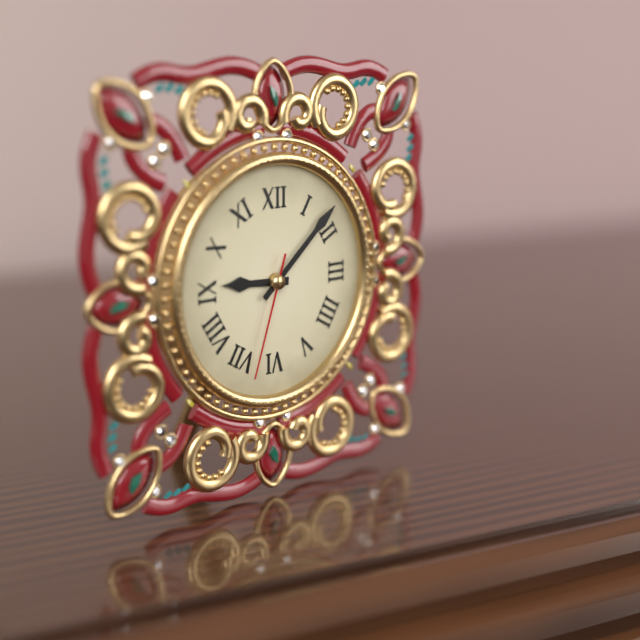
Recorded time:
{"hour": 9, "minute": 8, "second": 33}
